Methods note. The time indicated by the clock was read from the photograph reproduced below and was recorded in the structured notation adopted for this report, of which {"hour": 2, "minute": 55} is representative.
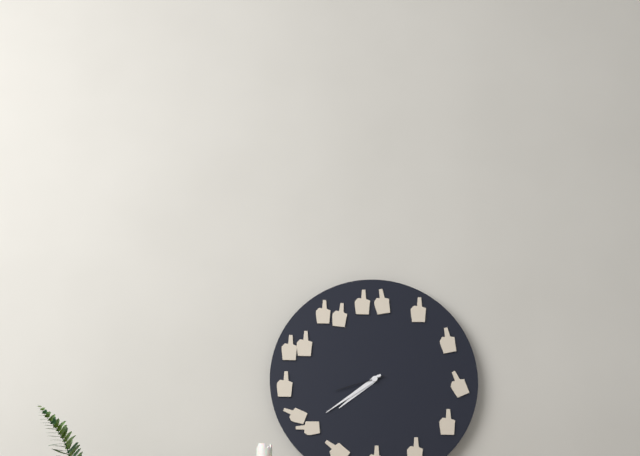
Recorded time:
{"hour": 7, "minute": 39}
